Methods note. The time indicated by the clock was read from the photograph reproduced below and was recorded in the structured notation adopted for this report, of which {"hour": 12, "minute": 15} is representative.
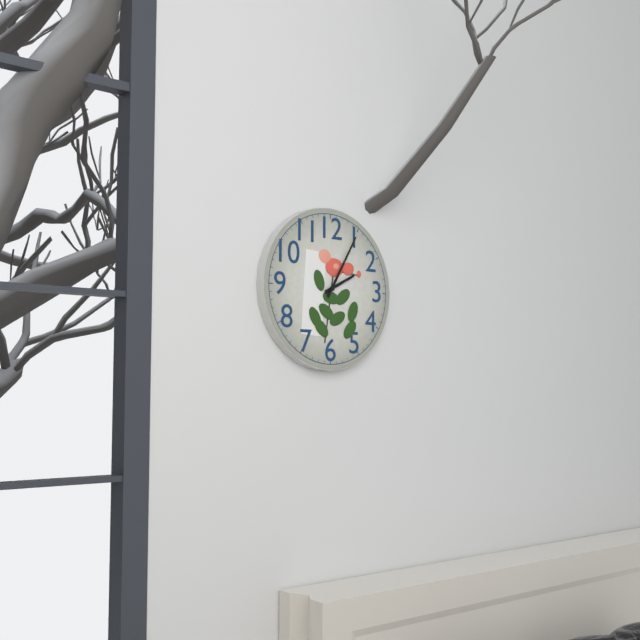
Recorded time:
{"hour": 2, "minute": 5}
